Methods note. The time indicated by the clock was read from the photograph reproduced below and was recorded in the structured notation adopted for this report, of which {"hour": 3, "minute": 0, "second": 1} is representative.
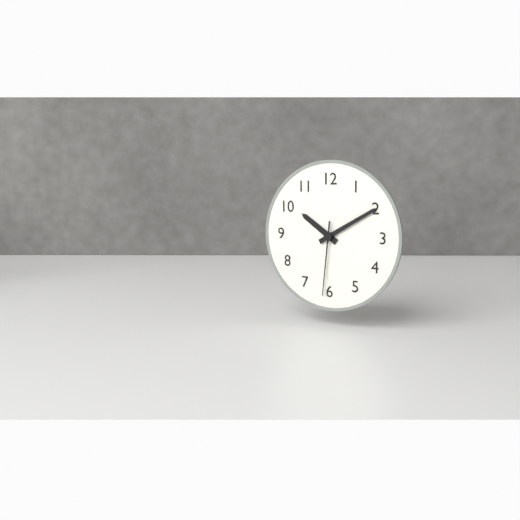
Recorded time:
{"hour": 10, "minute": 10, "second": 31}
